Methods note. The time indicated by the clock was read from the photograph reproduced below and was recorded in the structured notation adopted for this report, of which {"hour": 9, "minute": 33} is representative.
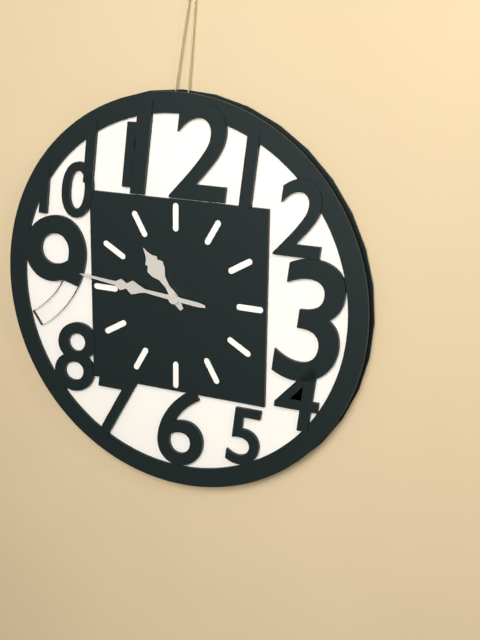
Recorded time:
{"hour": 10, "minute": 46}
